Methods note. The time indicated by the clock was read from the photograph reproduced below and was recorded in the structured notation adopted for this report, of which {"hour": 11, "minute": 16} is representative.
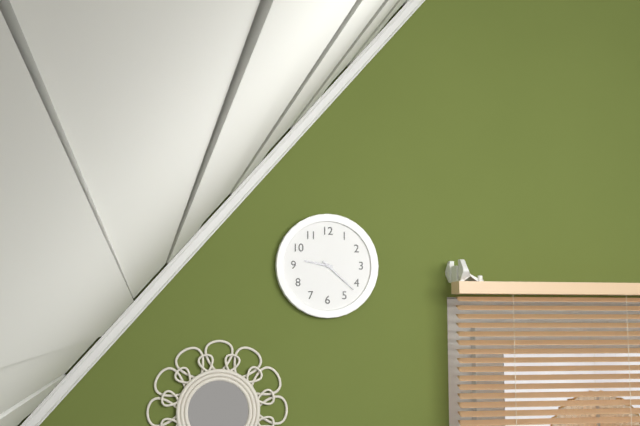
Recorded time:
{"hour": 9, "minute": 22}
